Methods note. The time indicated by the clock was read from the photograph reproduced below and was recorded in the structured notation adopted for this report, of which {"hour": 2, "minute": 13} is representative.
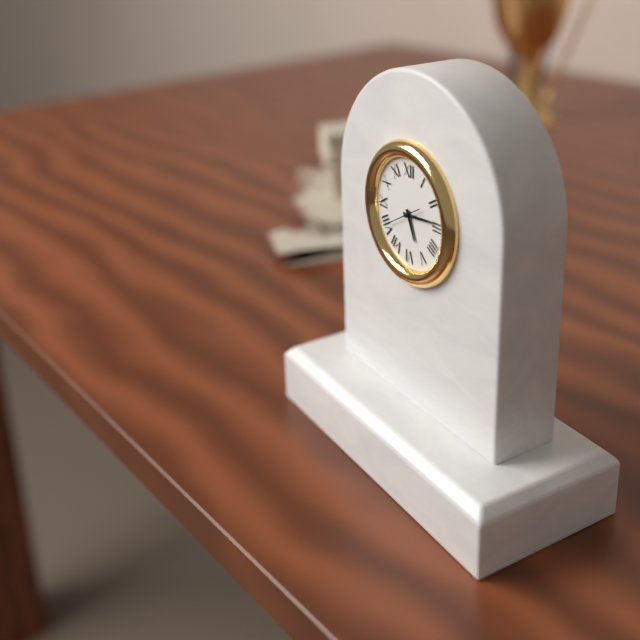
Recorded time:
{"hour": 5, "minute": 14}
